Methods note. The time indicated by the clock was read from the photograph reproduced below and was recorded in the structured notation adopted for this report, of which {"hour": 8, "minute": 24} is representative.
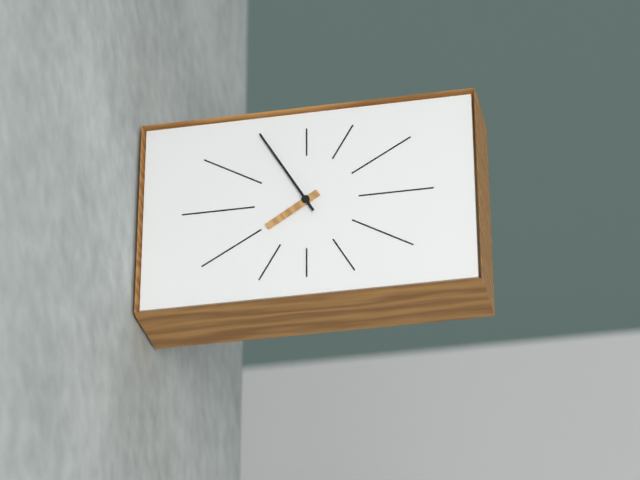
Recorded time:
{"hour": 7, "minute": 55}
